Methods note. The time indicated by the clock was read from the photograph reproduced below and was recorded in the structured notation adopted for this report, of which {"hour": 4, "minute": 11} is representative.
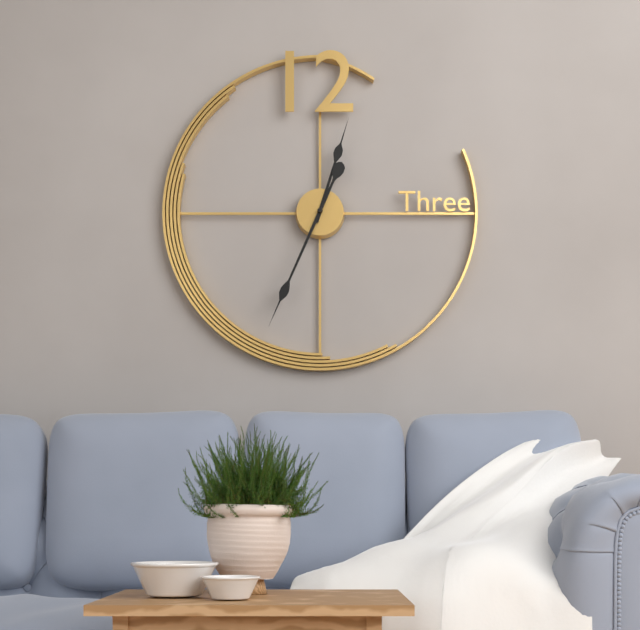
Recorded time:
{"hour": 12, "minute": 34}
